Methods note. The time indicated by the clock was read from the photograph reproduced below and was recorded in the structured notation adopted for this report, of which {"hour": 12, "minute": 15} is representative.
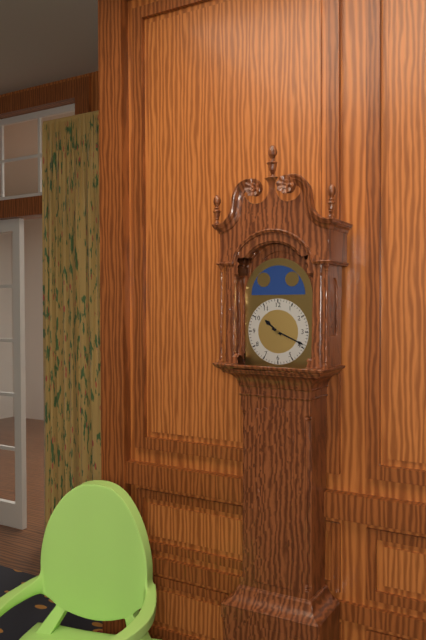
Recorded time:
{"hour": 10, "minute": 19}
